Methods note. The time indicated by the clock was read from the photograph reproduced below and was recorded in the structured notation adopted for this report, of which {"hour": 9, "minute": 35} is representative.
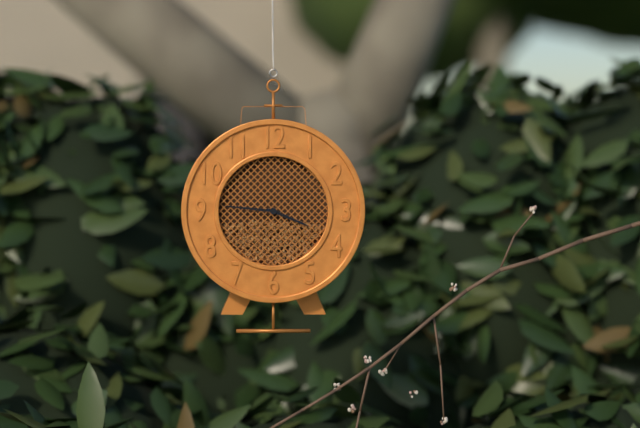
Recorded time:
{"hour": 3, "minute": 46}
